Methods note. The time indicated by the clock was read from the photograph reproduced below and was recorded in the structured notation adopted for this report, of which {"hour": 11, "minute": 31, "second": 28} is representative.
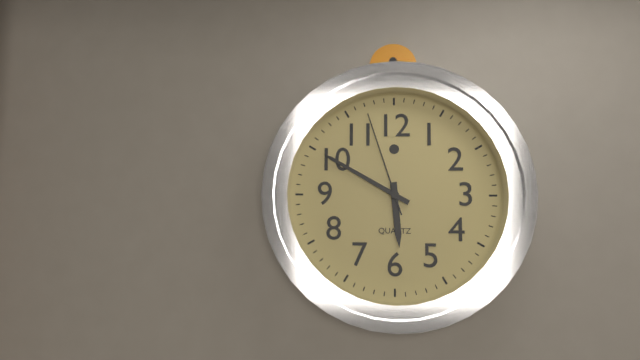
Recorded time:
{"hour": 5, "minute": 50, "second": 57}
